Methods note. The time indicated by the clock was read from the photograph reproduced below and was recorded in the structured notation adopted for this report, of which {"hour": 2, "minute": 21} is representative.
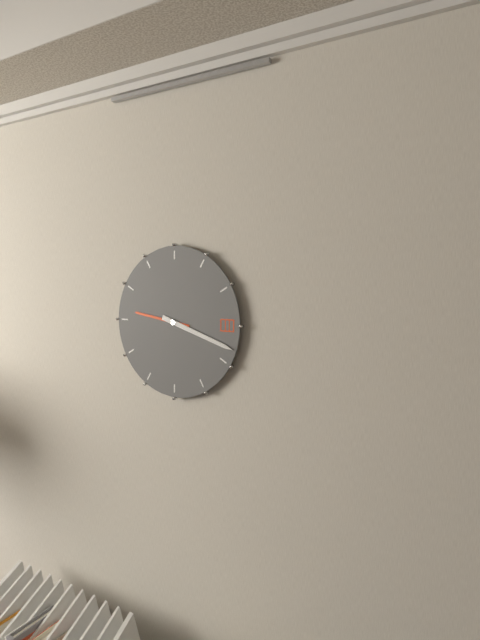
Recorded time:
{"hour": 9, "minute": 18}
